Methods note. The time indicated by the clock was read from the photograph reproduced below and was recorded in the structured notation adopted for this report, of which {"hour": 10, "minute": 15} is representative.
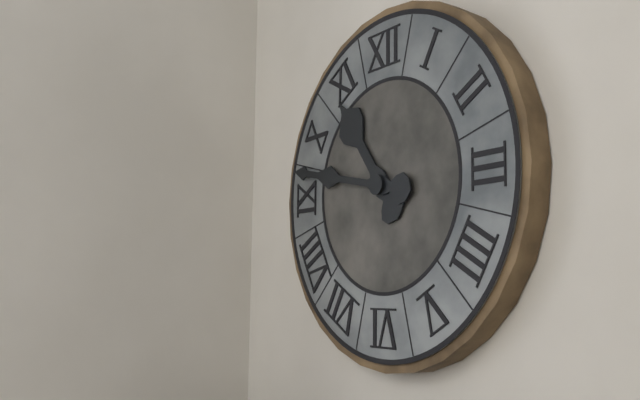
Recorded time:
{"hour": 10, "minute": 47}
